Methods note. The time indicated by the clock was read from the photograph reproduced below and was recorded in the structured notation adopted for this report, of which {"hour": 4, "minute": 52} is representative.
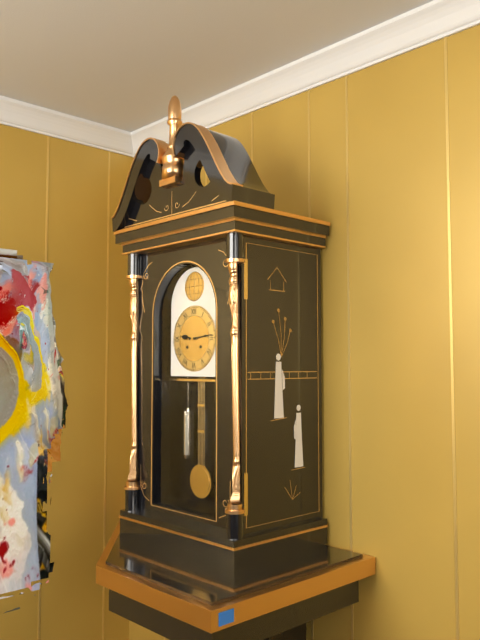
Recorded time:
{"hour": 9, "minute": 14}
